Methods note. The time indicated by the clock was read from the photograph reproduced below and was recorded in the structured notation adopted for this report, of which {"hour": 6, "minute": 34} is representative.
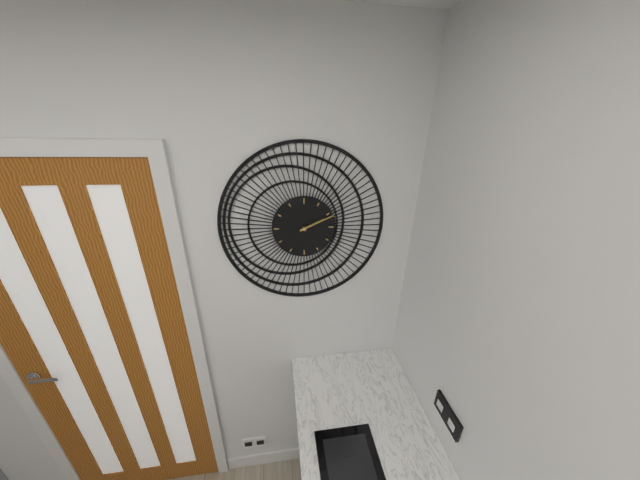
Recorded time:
{"hour": 2, "minute": 11}
